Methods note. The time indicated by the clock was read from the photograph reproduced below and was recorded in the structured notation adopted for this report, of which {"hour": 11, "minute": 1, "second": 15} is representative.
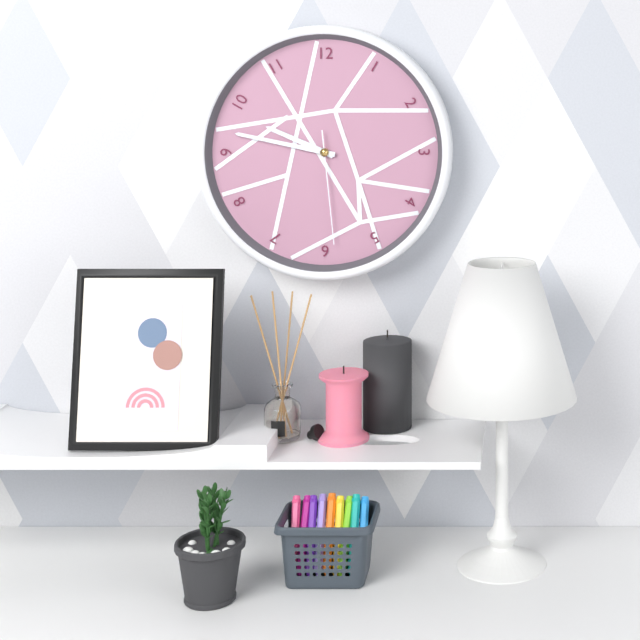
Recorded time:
{"hour": 9, "minute": 47, "second": 29}
